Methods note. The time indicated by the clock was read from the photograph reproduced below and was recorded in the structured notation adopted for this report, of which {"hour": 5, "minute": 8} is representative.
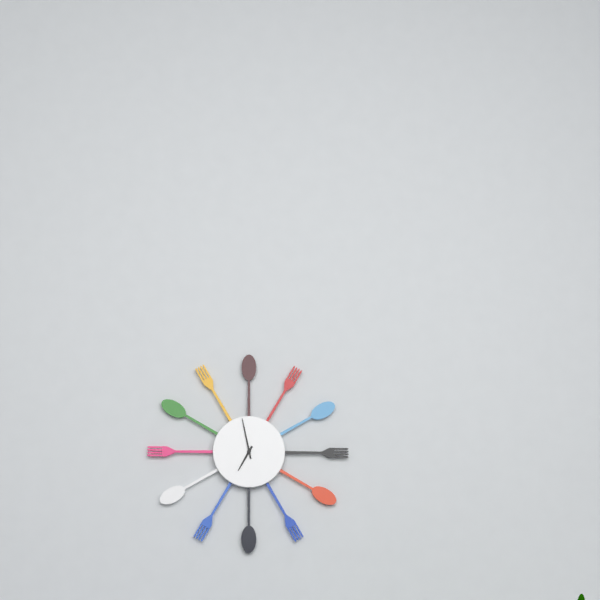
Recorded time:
{"hour": 6, "minute": 58}
